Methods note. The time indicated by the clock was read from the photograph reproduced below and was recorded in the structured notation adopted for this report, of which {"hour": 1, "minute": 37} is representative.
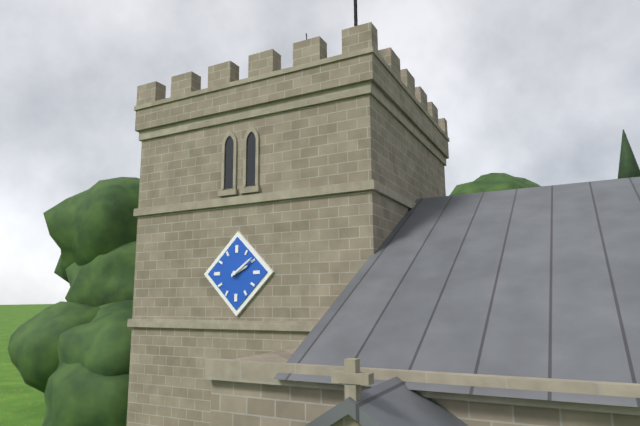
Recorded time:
{"hour": 2, "minute": 9}
